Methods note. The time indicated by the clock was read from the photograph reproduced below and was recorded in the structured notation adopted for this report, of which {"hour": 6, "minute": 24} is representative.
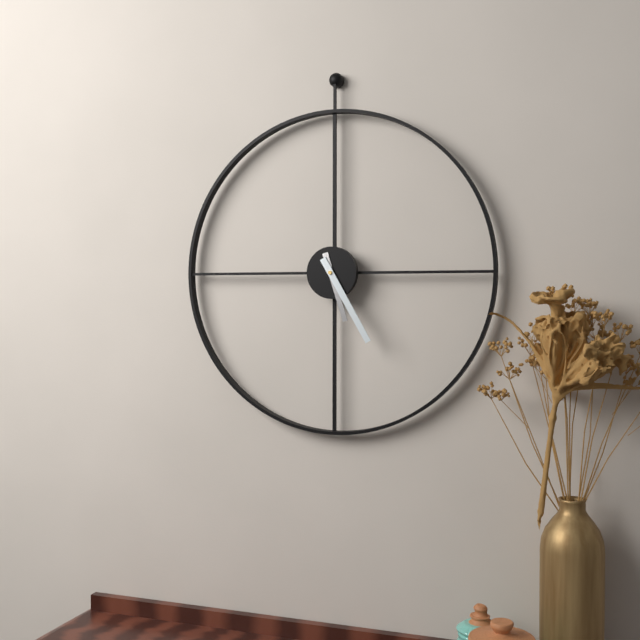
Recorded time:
{"hour": 5, "minute": 25}
